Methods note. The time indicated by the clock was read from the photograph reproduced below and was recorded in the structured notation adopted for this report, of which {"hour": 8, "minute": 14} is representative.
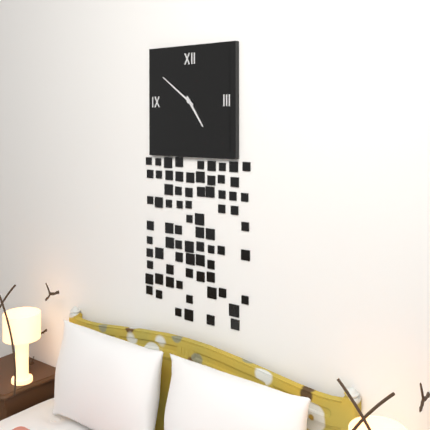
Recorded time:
{"hour": 4, "minute": 51}
